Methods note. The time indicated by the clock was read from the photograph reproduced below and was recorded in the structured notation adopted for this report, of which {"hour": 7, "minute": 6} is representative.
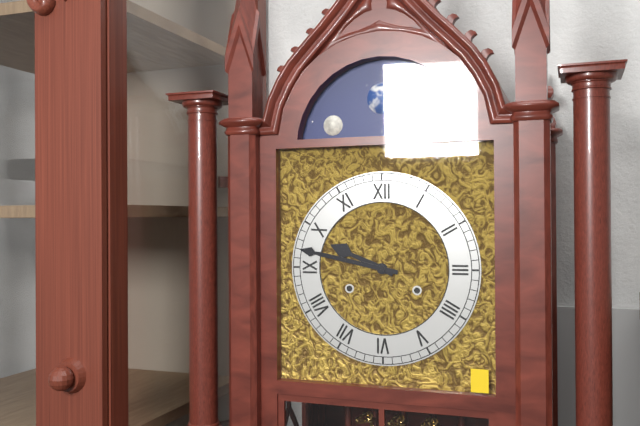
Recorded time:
{"hour": 9, "minute": 47}
